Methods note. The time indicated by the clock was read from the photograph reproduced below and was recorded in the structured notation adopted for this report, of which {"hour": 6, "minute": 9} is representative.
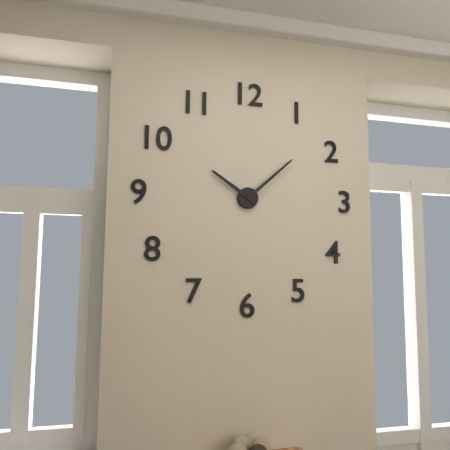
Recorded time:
{"hour": 10, "minute": 8}
